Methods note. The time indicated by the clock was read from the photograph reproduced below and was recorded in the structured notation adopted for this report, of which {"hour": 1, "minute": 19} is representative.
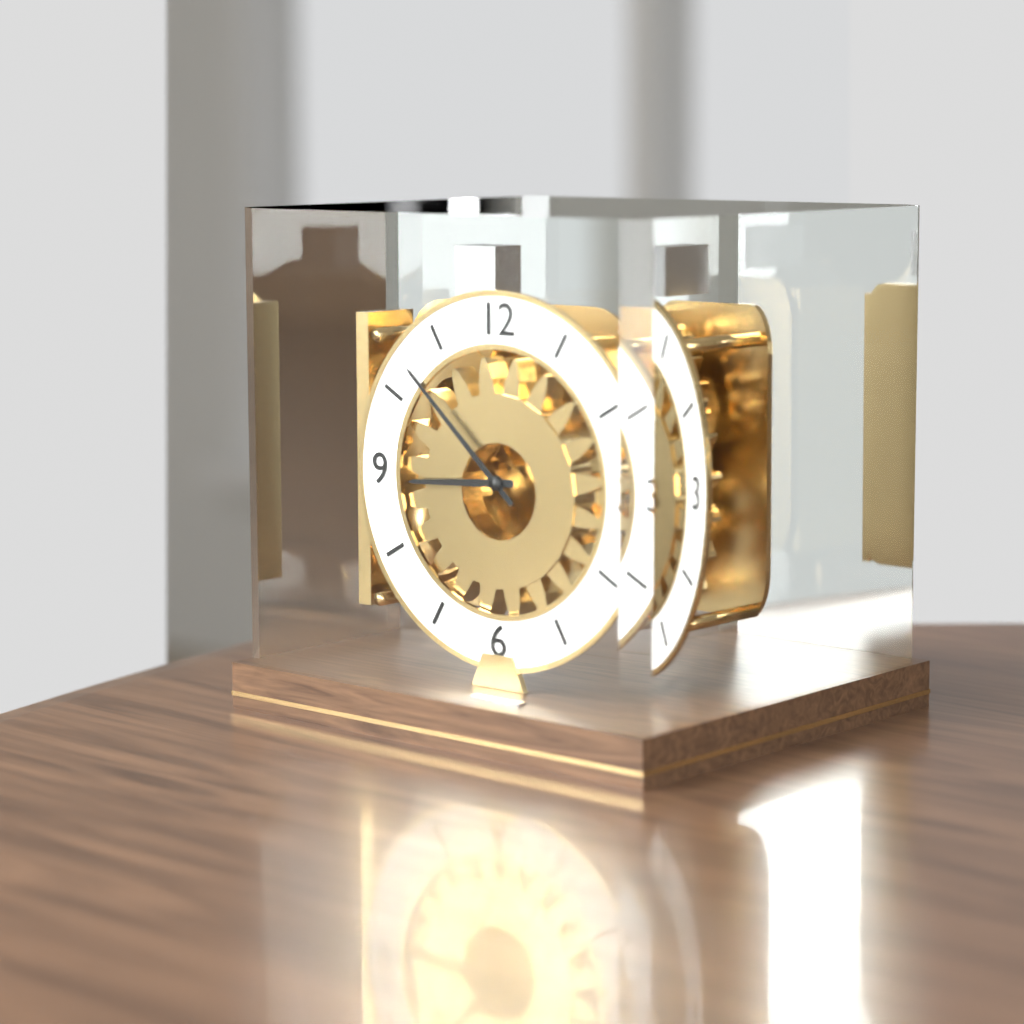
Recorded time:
{"hour": 8, "minute": 52}
